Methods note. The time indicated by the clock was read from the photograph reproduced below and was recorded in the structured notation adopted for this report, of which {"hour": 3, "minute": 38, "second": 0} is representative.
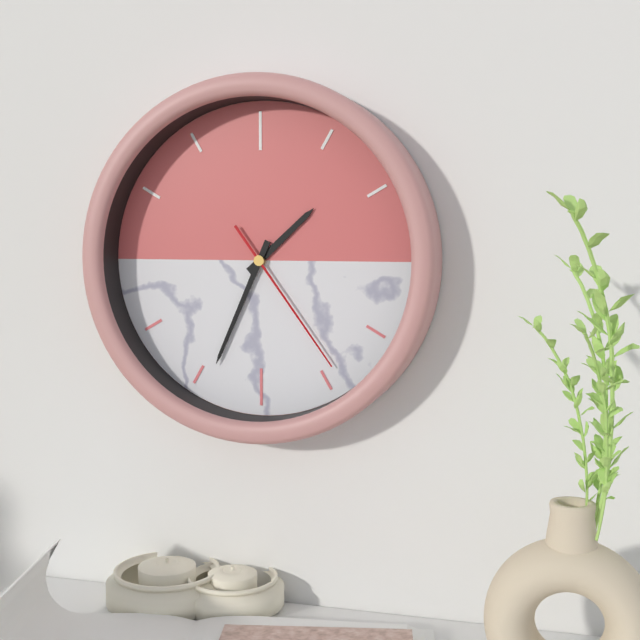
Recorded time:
{"hour": 1, "minute": 34, "second": 24}
